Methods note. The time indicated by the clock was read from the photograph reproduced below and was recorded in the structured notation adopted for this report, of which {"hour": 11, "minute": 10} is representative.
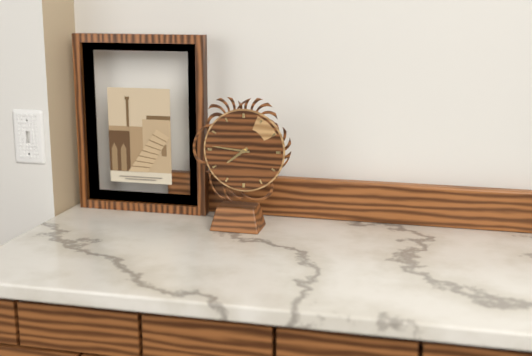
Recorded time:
{"hour": 7, "minute": 46}
